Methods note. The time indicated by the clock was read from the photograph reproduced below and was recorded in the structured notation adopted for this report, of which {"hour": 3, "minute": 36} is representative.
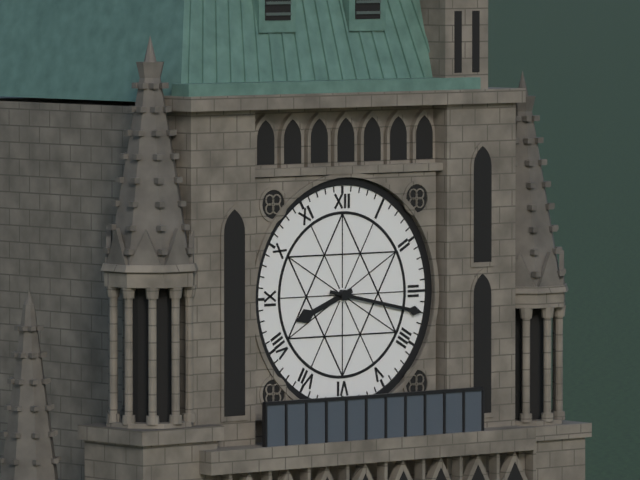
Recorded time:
{"hour": 8, "minute": 17}
